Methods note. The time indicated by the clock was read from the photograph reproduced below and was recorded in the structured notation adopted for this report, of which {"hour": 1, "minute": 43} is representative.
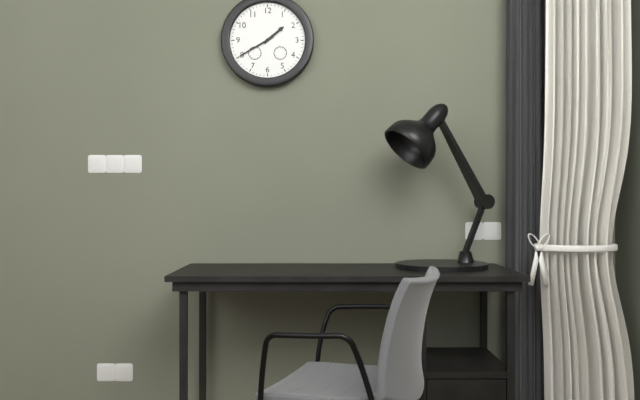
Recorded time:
{"hour": 1, "minute": 40}
